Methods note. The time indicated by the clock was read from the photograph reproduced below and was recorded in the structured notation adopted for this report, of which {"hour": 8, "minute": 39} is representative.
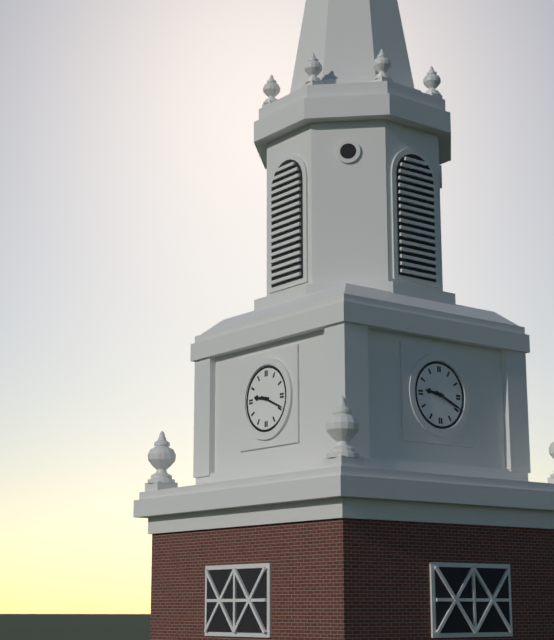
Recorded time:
{"hour": 9, "minute": 19}
